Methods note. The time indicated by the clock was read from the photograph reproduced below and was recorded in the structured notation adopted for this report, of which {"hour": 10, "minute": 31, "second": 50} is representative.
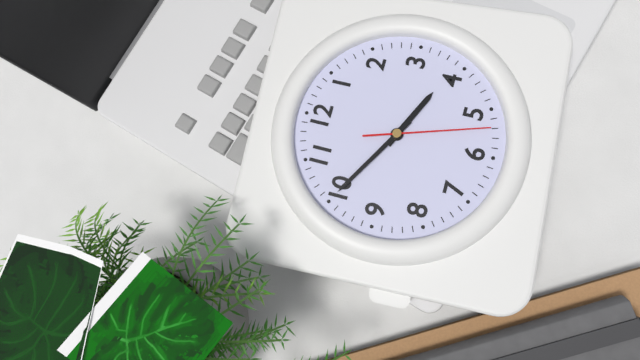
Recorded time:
{"hour": 3, "minute": 50, "second": 27}
